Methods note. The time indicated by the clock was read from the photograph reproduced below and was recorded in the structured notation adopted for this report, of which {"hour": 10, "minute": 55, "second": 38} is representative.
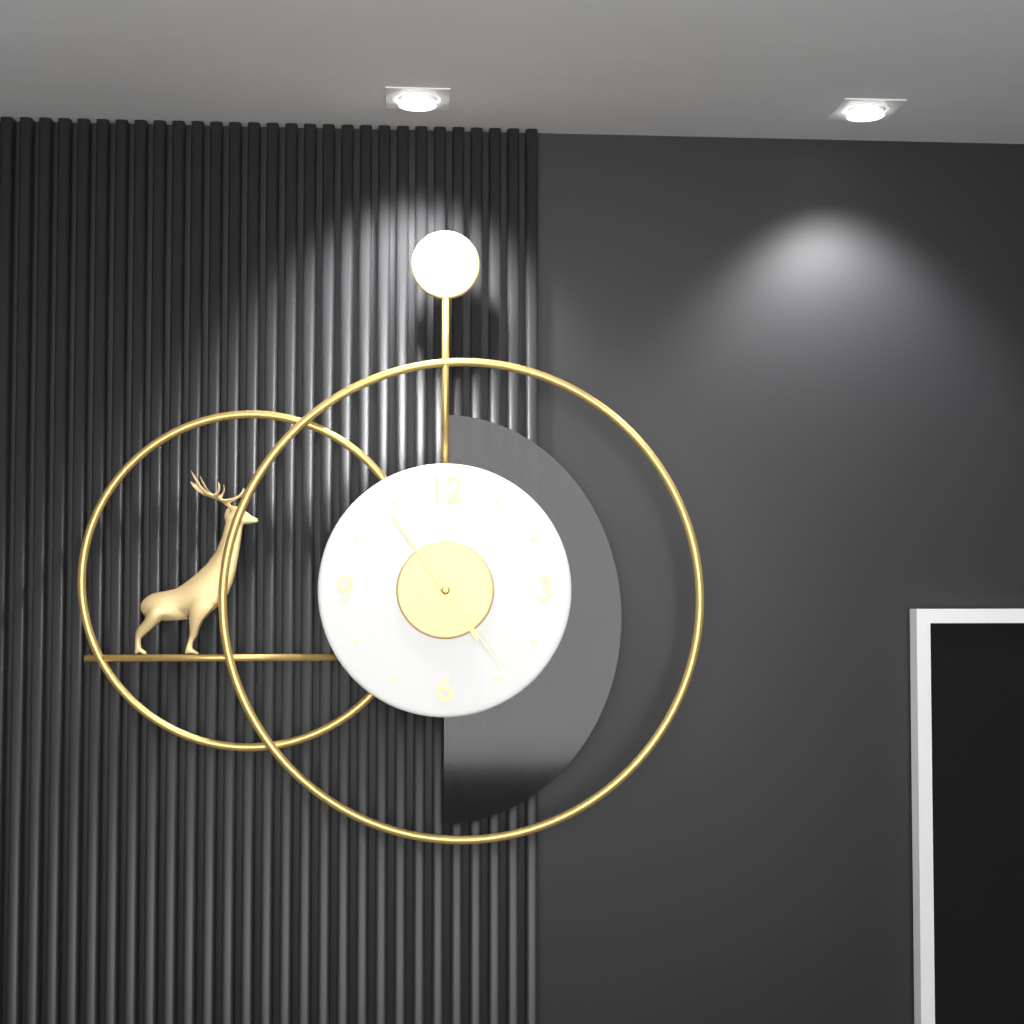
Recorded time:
{"hour": 4, "minute": 54, "second": 24}
